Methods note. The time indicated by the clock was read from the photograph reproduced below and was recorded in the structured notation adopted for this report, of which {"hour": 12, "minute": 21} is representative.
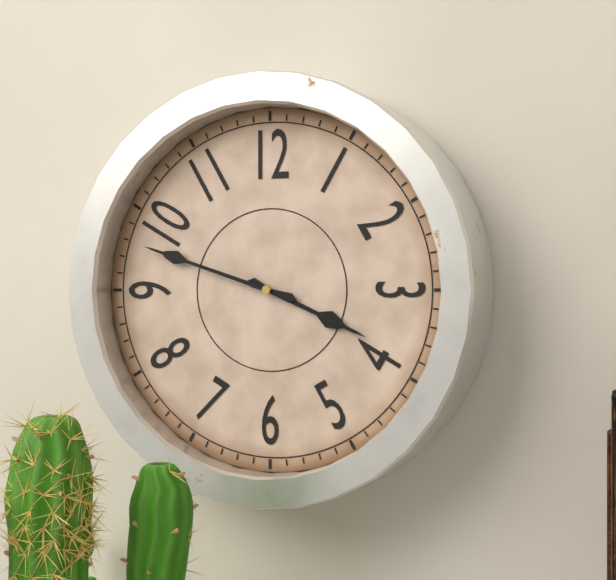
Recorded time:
{"hour": 3, "minute": 48}
